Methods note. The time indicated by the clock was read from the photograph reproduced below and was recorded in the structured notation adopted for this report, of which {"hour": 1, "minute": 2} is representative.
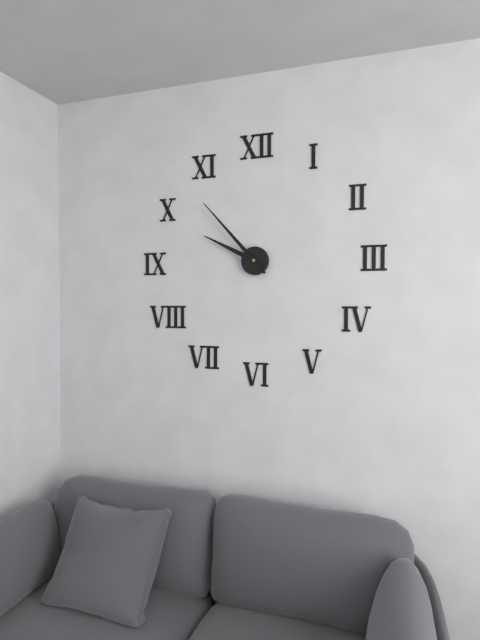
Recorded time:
{"hour": 9, "minute": 53}
